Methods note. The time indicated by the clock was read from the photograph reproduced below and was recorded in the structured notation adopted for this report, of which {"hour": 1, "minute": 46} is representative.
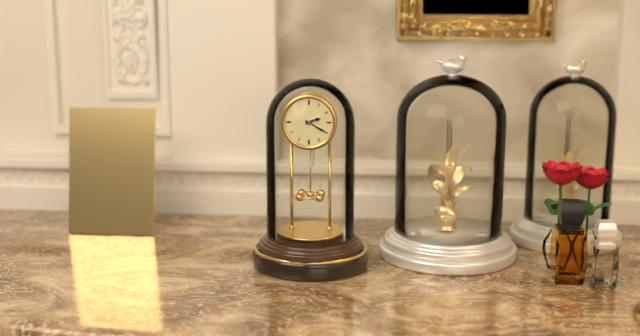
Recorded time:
{"hour": 2, "minute": 20}
